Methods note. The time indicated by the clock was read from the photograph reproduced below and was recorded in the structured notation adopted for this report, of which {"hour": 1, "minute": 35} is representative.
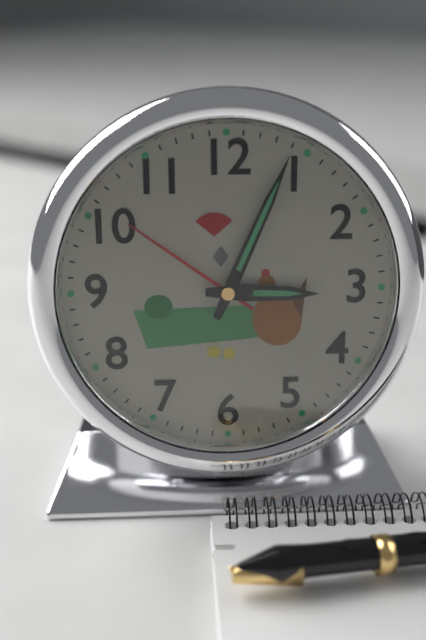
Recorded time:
{"hour": 3, "minute": 4}
